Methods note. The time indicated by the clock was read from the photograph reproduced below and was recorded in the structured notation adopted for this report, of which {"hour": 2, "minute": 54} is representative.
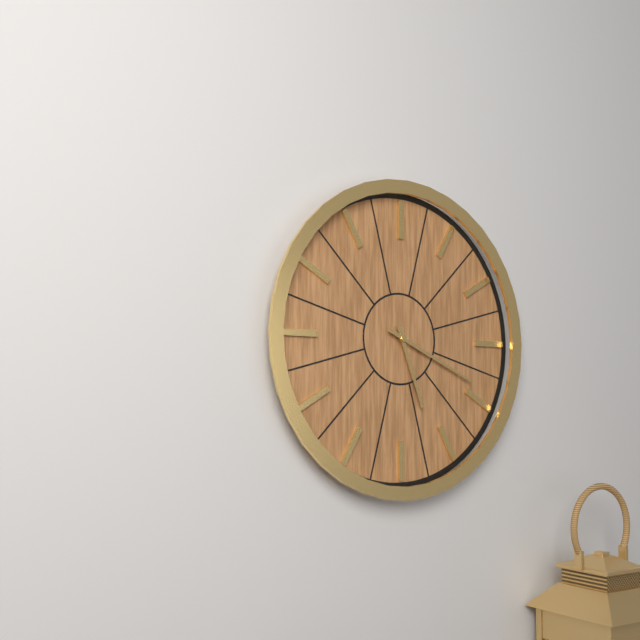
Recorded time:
{"hour": 5, "minute": 19}
